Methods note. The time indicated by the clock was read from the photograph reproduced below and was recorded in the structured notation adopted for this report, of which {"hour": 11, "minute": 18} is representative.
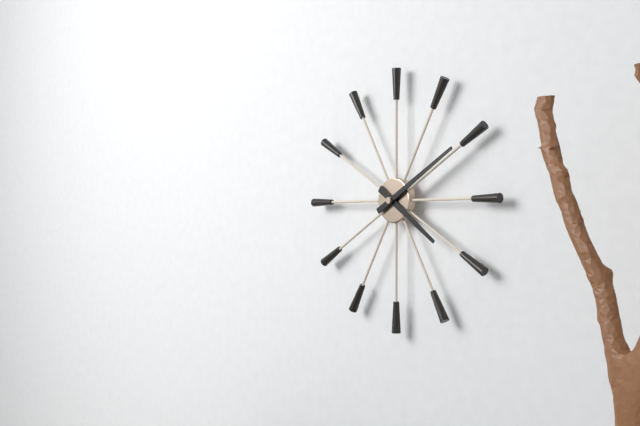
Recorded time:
{"hour": 4, "minute": 10}
